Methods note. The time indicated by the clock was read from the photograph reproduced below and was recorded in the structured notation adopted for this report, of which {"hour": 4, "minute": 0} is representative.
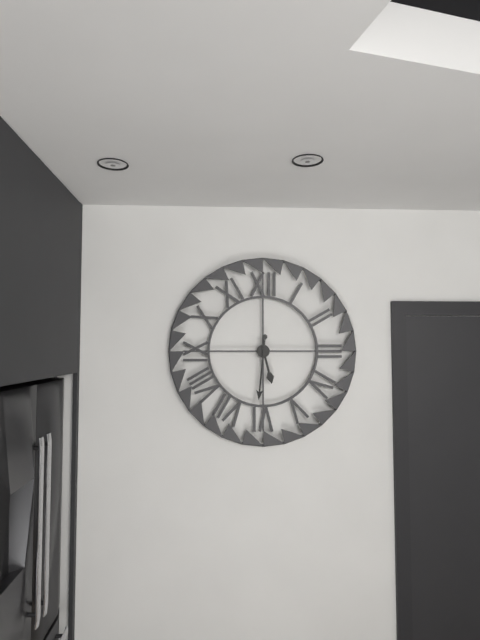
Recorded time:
{"hour": 5, "minute": 31}
